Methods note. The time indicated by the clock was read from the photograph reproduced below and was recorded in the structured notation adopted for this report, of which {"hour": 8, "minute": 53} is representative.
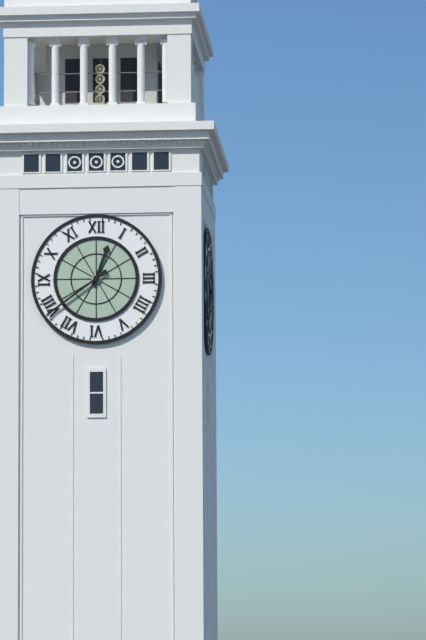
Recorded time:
{"hour": 12, "minute": 39}
